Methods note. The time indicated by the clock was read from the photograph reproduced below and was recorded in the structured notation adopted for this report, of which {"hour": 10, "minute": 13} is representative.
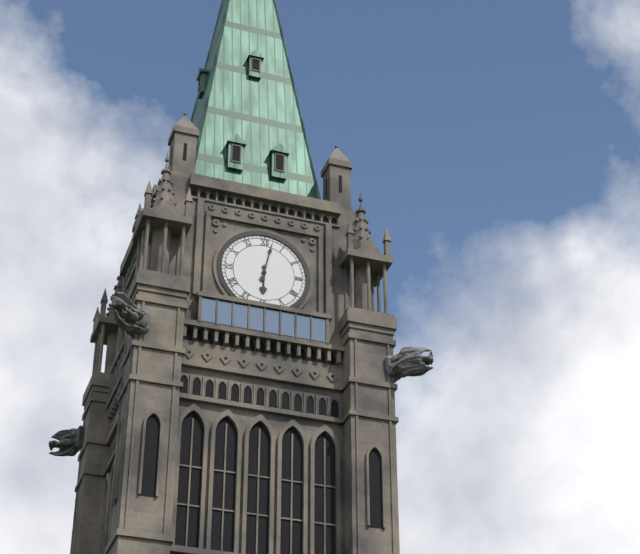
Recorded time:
{"hour": 6, "minute": 2}
